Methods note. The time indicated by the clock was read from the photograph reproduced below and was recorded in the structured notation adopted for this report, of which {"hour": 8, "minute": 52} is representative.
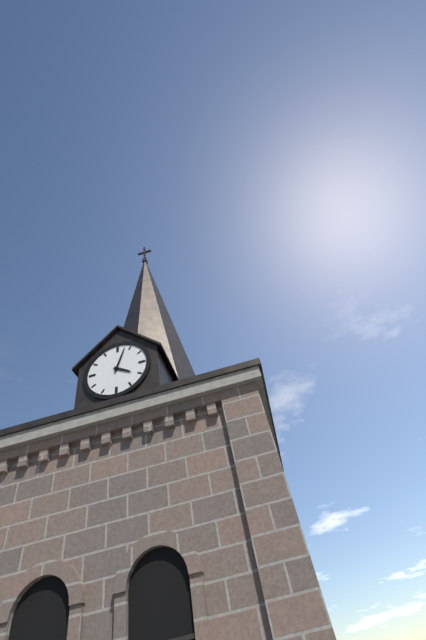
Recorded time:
{"hour": 4, "minute": 3}
